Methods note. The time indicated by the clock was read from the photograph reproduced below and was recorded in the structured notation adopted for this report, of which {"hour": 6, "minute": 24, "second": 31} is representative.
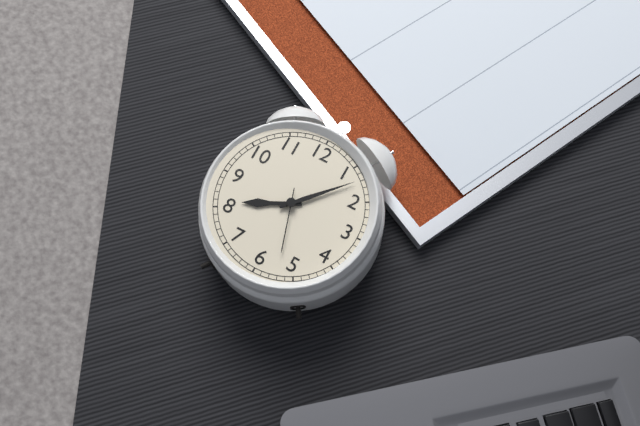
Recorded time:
{"hour": 8, "minute": 7, "second": 27}
